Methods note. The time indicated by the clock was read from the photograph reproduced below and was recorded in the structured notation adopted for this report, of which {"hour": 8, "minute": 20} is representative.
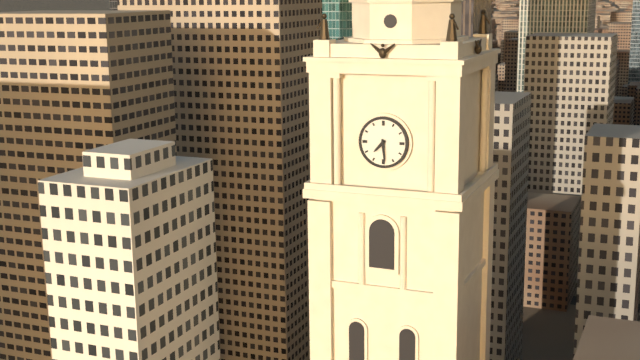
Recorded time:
{"hour": 7, "minute": 29}
